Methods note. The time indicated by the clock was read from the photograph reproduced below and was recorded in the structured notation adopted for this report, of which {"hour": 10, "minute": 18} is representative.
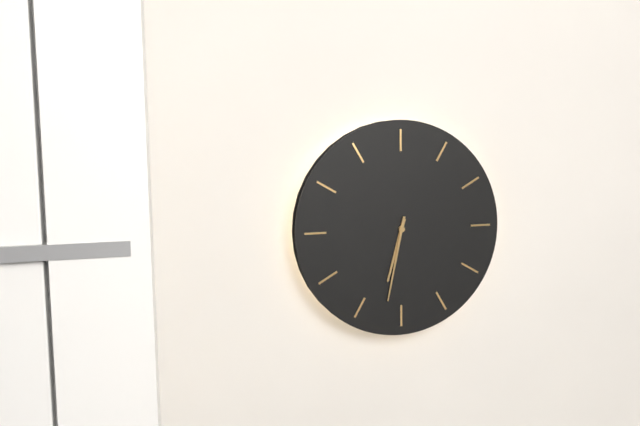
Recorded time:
{"hour": 6, "minute": 32}
